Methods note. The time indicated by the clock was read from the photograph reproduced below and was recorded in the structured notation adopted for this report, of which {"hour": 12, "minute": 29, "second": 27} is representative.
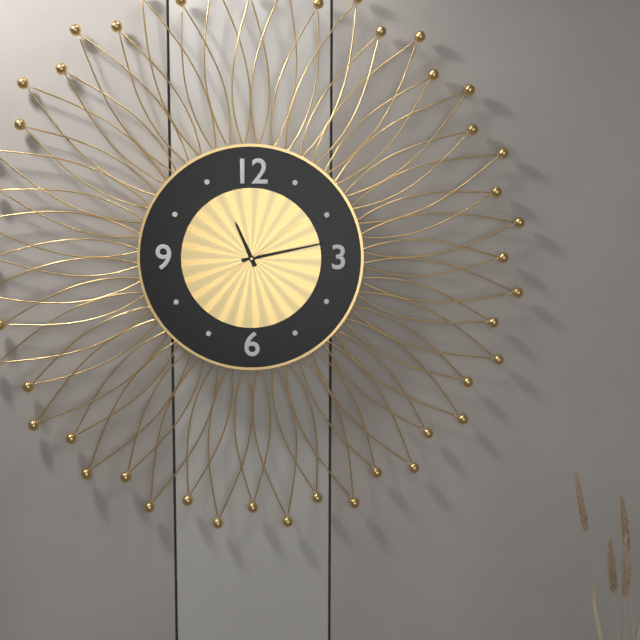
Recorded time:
{"hour": 11, "minute": 13, "second": 9}
